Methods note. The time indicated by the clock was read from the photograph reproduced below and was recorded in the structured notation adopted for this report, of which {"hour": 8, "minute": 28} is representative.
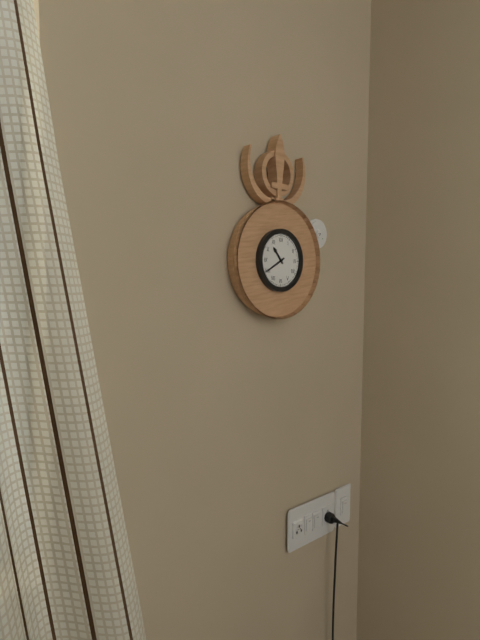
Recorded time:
{"hour": 10, "minute": 40}
